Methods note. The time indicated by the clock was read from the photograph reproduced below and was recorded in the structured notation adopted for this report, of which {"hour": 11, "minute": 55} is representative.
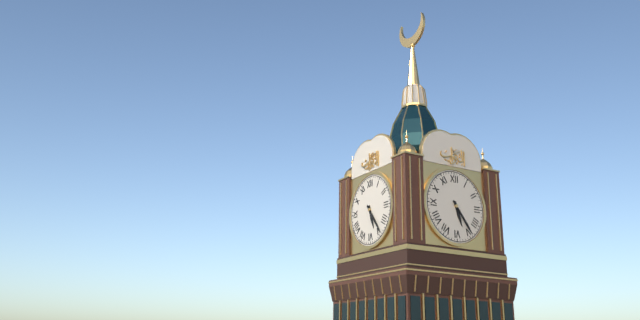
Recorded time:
{"hour": 5, "minute": 24}
